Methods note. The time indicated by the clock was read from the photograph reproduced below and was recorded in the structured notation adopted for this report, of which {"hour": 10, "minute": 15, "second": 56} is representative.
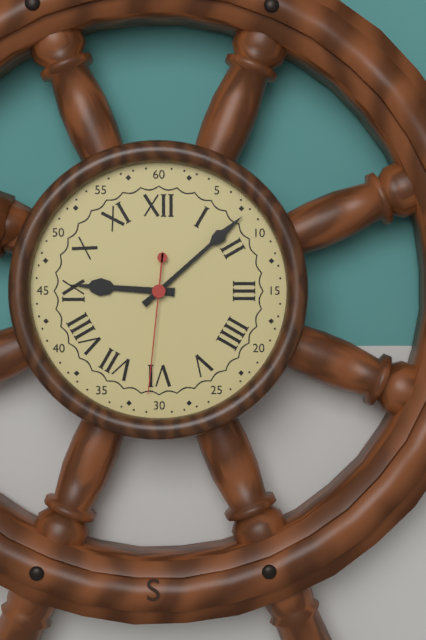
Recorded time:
{"hour": 9, "minute": 8, "second": 31}
